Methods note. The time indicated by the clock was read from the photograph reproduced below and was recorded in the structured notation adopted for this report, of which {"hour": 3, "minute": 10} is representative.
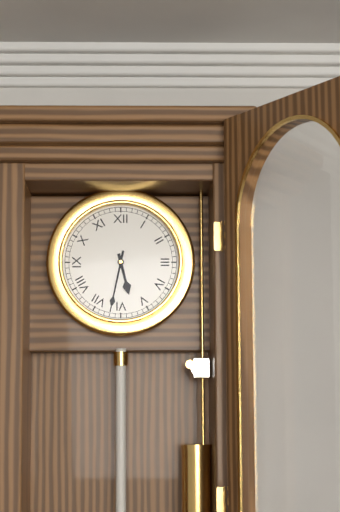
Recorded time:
{"hour": 5, "minute": 32}
